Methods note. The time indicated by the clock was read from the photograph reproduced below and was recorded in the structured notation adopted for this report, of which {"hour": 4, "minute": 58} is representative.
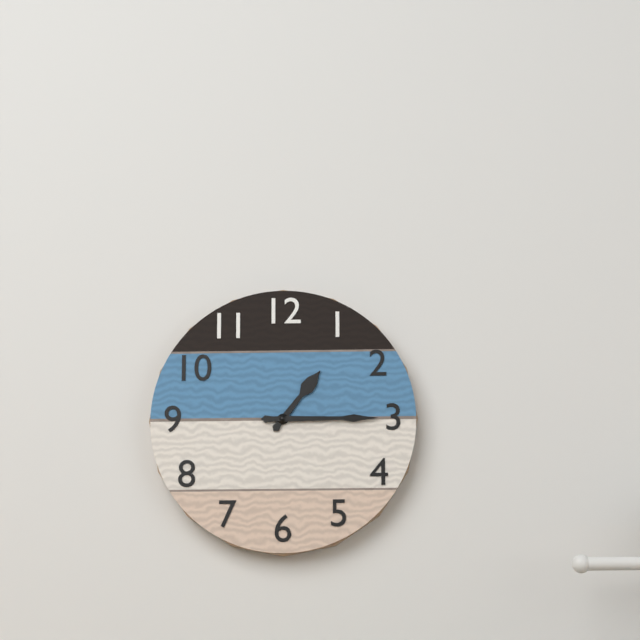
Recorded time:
{"hour": 1, "minute": 15}
